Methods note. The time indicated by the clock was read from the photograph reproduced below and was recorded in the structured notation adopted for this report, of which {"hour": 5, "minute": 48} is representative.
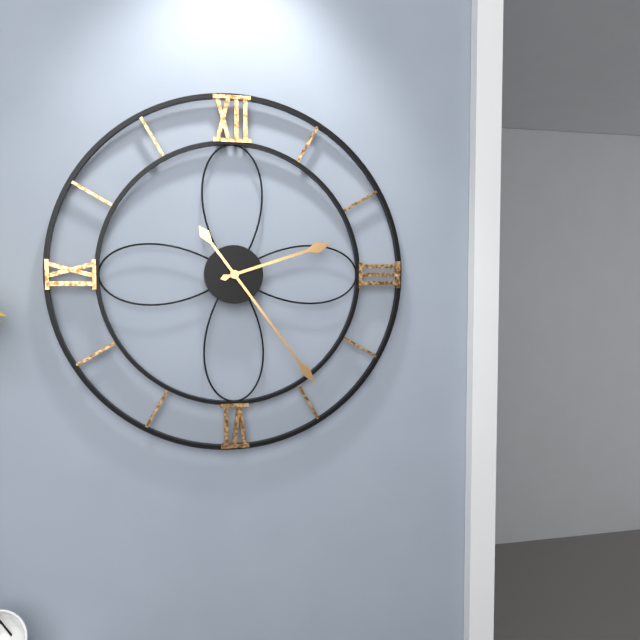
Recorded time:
{"hour": 2, "minute": 24}
